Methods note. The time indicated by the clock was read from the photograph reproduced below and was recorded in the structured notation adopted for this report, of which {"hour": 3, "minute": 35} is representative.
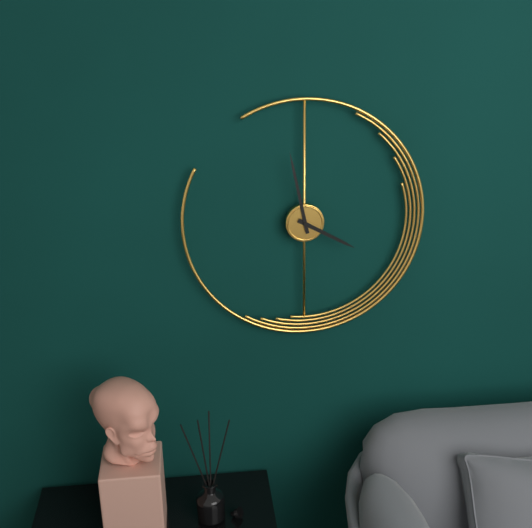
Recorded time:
{"hour": 3, "minute": 58}
